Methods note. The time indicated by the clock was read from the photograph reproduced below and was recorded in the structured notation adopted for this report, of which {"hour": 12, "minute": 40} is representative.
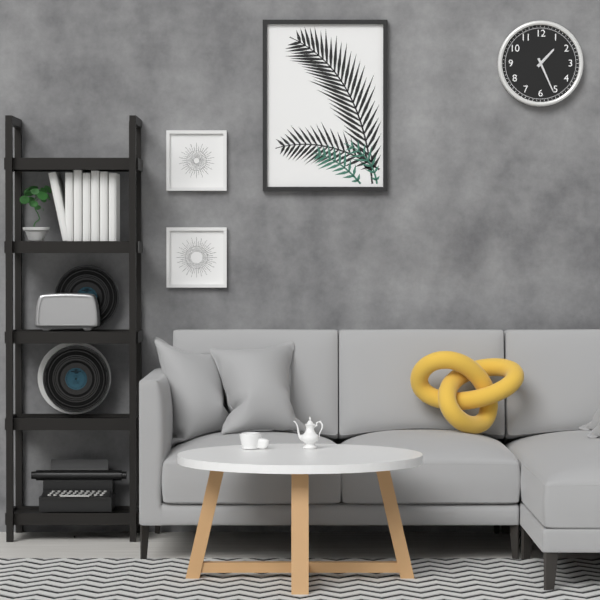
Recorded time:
{"hour": 1, "minute": 26}
